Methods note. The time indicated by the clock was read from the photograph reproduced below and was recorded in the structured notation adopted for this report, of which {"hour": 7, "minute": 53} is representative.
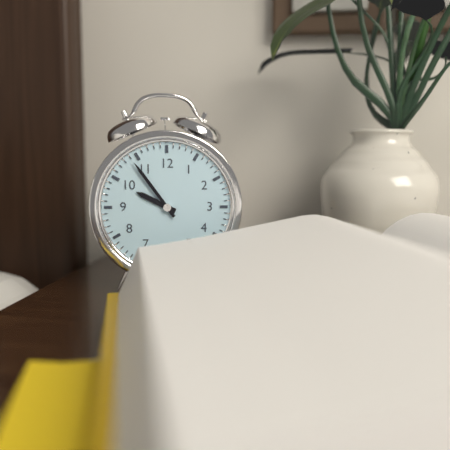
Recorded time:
{"hour": 9, "minute": 54}
